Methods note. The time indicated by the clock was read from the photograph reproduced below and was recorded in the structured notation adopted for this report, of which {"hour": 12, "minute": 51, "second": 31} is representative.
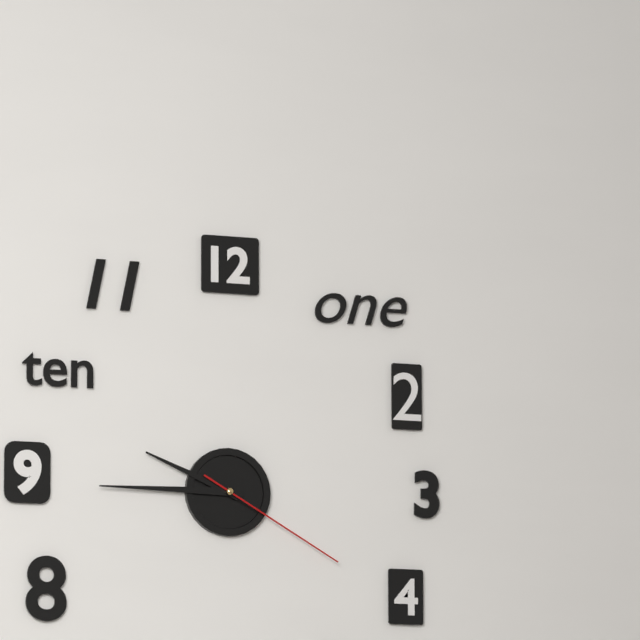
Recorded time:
{"hour": 9, "minute": 45, "second": 20}
